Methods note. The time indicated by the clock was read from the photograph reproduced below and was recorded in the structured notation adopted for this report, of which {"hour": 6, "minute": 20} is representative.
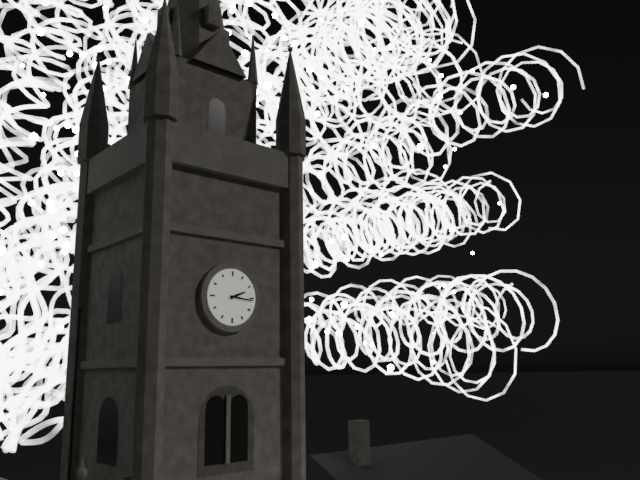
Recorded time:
{"hour": 2, "minute": 16}
